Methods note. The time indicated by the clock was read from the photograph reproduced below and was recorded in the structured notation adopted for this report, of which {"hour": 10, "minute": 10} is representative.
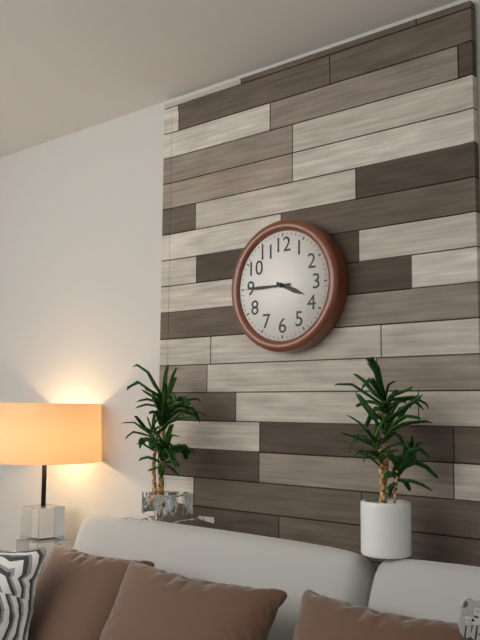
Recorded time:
{"hour": 3, "minute": 45}
